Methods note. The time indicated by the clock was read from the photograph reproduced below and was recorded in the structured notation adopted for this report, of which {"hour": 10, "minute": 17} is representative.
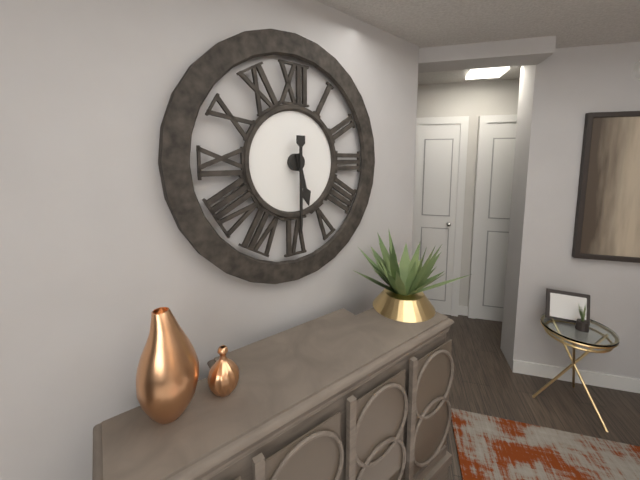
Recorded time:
{"hour": 5, "minute": 30}
